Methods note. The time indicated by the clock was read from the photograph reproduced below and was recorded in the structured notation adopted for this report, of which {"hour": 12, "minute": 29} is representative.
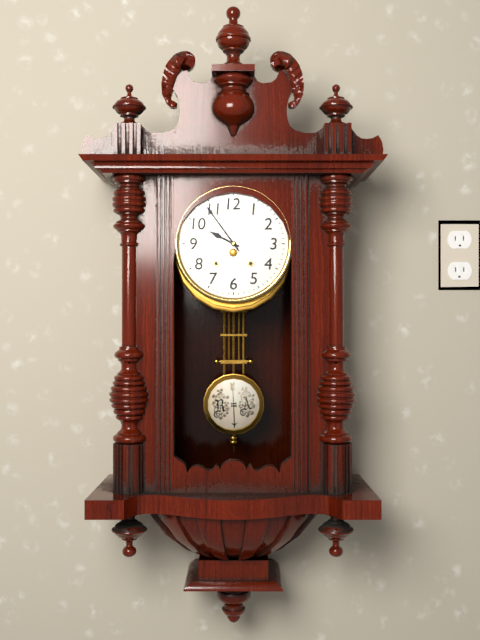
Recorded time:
{"hour": 9, "minute": 54}
